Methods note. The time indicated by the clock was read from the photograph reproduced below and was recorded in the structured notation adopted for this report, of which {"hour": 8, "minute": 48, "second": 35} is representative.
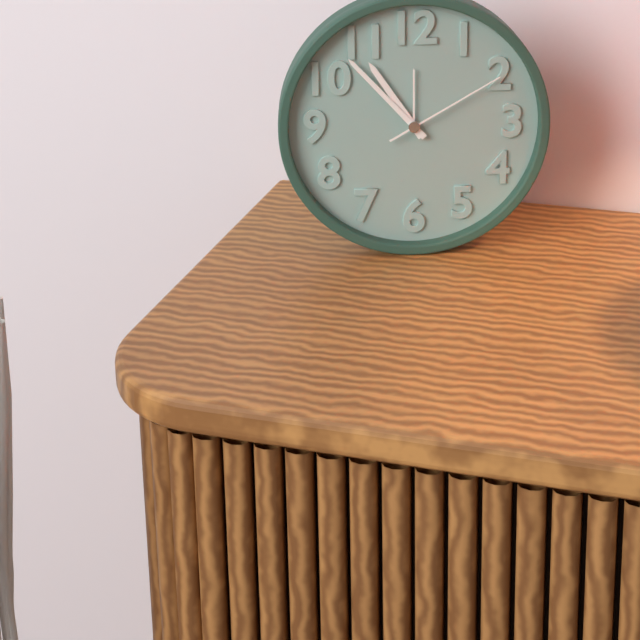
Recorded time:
{"hour": 10, "minute": 53, "second": 10}
